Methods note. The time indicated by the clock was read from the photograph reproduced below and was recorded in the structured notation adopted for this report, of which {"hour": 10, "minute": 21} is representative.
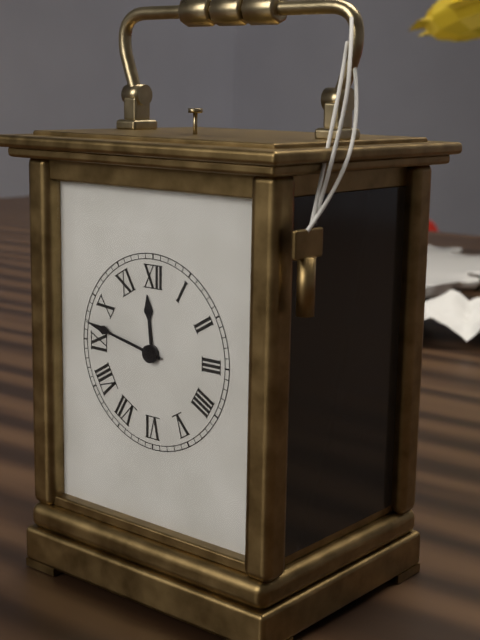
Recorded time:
{"hour": 11, "minute": 47}
